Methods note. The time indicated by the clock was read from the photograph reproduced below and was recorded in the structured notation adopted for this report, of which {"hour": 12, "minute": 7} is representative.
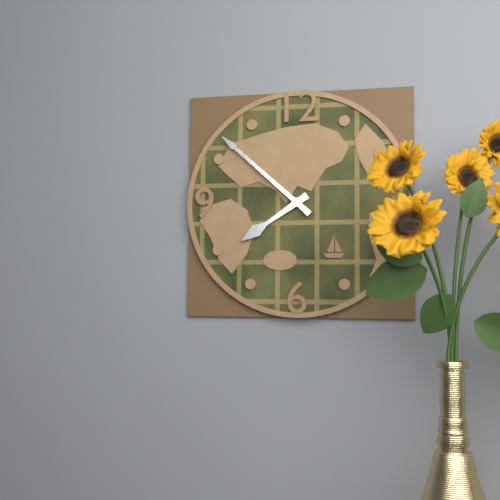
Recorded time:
{"hour": 7, "minute": 52}
